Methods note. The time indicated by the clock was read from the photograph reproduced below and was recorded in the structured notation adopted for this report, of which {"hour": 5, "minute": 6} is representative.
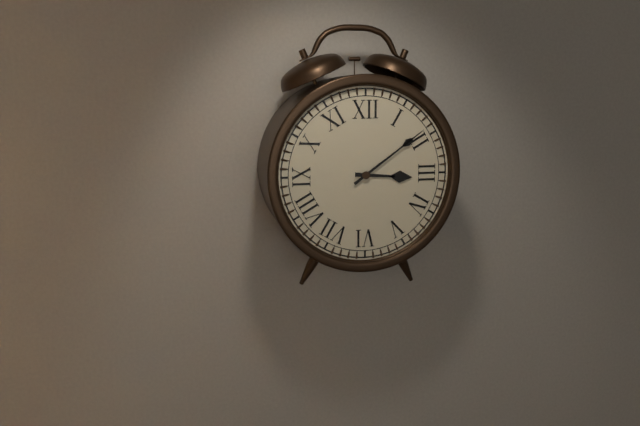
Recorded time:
{"hour": 3, "minute": 9}
